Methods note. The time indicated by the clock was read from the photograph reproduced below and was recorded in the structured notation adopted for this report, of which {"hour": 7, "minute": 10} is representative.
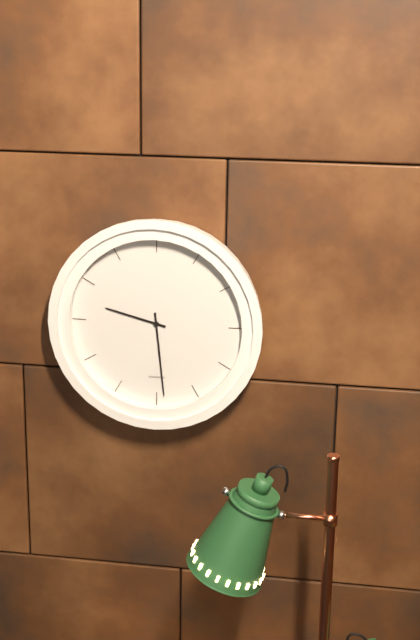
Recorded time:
{"hour": 9, "minute": 29}
